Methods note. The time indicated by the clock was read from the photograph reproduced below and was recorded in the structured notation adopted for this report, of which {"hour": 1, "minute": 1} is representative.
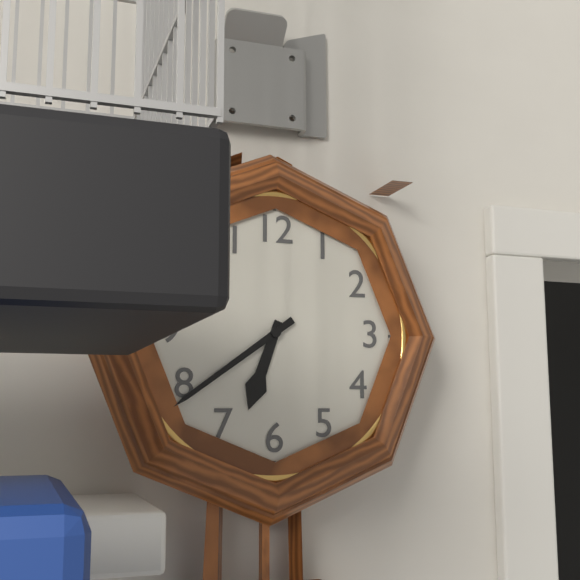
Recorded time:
{"hour": 6, "minute": 39}
